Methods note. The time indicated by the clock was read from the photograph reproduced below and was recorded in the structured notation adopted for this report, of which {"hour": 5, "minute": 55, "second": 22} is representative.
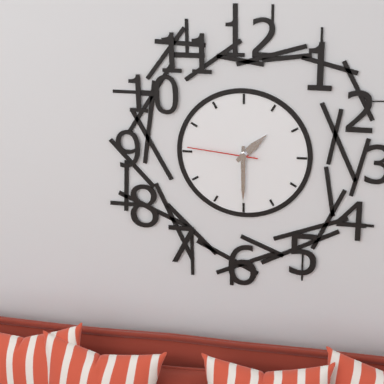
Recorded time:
{"hour": 1, "minute": 30, "second": 46}
